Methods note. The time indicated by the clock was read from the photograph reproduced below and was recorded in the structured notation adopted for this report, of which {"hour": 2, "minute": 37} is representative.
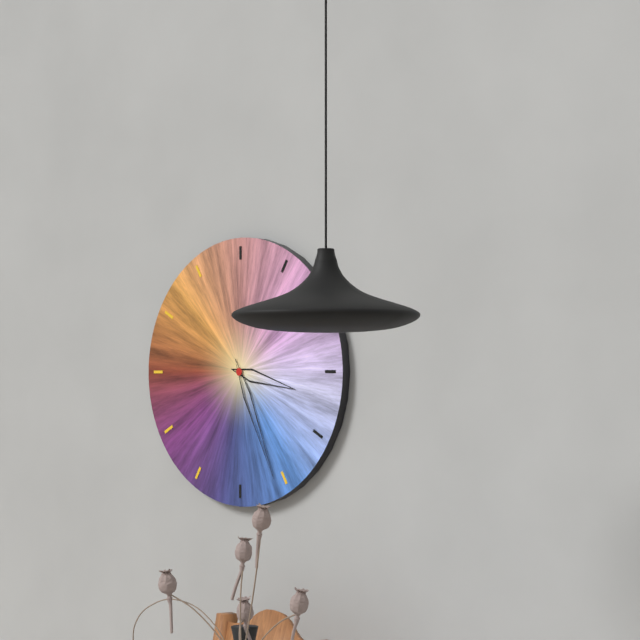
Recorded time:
{"hour": 3, "minute": 26}
